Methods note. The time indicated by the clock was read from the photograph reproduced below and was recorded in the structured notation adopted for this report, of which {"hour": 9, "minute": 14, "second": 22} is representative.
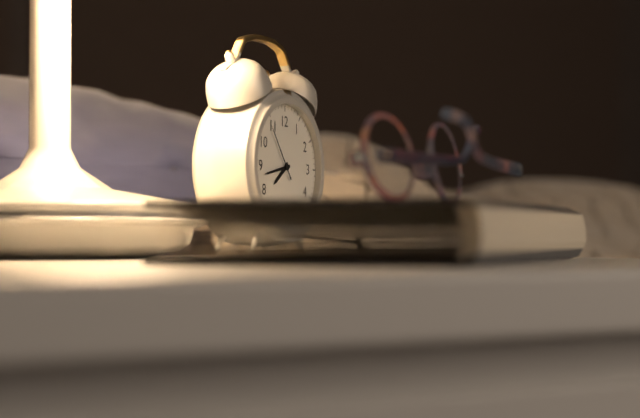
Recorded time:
{"hour": 7, "minute": 43, "second": 54}
